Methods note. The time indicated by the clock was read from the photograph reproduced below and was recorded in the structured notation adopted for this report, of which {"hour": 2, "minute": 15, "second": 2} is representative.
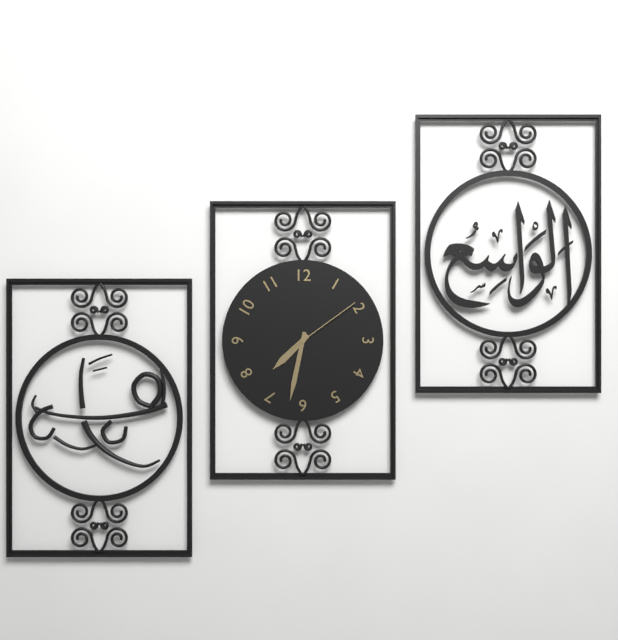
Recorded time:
{"hour": 7, "minute": 32, "second": 9}
